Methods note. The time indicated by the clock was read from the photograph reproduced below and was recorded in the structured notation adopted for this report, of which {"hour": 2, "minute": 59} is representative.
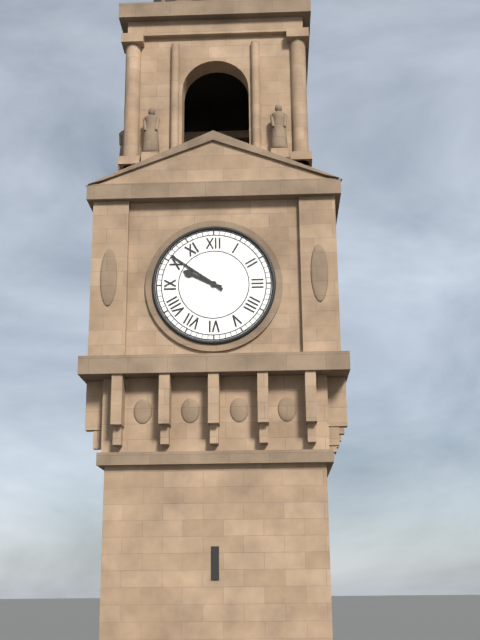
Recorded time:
{"hour": 9, "minute": 51}
